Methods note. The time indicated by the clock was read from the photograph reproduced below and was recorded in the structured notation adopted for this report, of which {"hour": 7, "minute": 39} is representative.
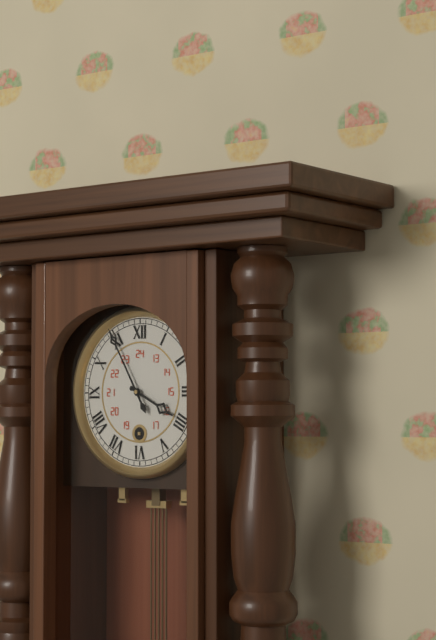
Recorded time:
{"hour": 3, "minute": 55}
